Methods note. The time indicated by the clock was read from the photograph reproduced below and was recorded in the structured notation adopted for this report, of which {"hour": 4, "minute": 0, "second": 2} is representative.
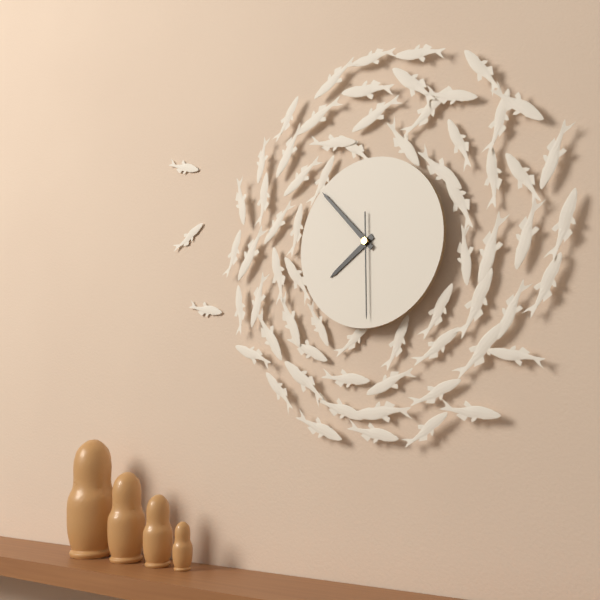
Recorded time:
{"hour": 7, "minute": 53, "second": 30}
